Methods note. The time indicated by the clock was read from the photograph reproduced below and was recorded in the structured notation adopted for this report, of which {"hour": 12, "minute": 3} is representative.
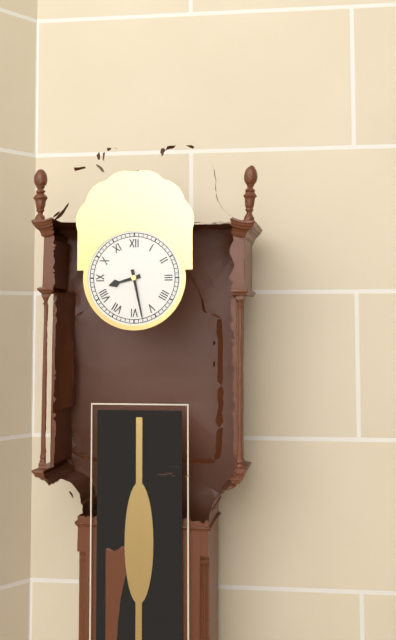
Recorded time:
{"hour": 8, "minute": 28}
